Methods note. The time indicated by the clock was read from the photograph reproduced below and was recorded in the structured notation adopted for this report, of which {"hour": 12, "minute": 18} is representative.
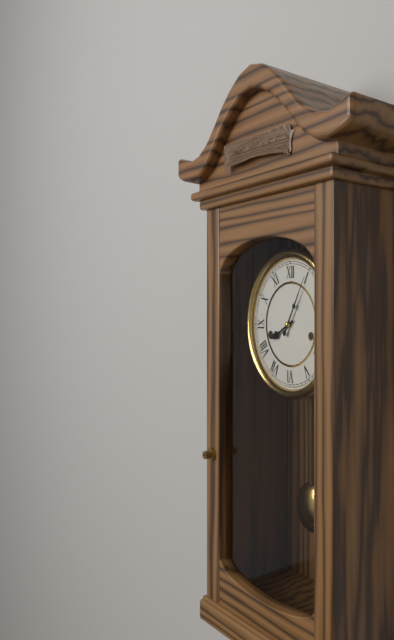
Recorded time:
{"hour": 8, "minute": 5}
